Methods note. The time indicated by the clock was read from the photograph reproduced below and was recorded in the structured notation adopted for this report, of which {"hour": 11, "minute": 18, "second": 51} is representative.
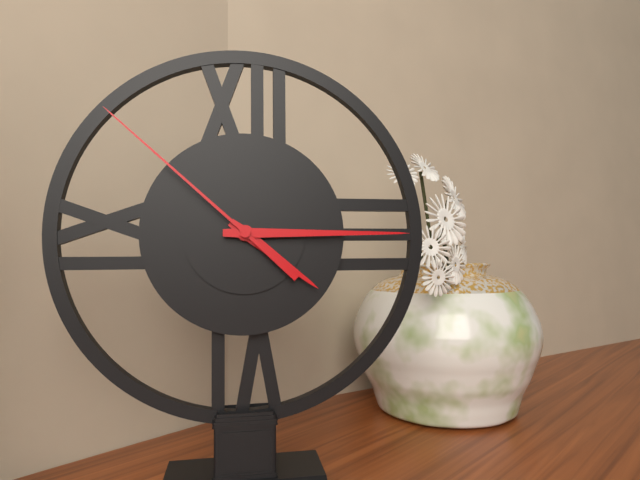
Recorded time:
{"hour": 4, "minute": 15, "second": 52}
